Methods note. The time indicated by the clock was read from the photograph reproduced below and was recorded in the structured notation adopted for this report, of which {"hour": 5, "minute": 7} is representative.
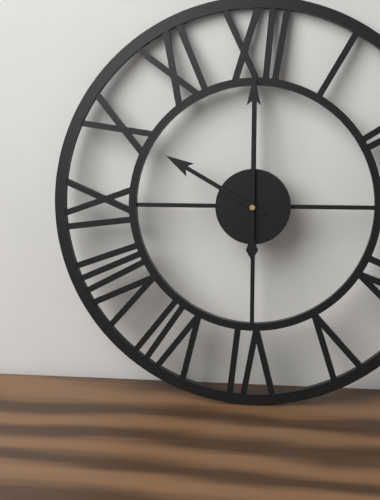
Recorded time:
{"hour": 10, "minute": 0}
